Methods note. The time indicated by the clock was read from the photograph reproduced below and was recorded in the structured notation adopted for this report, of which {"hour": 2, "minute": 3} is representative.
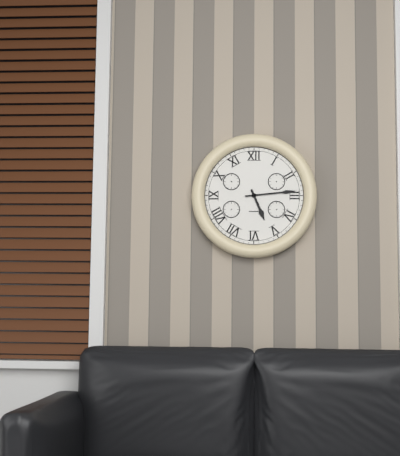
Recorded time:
{"hour": 5, "minute": 14}
